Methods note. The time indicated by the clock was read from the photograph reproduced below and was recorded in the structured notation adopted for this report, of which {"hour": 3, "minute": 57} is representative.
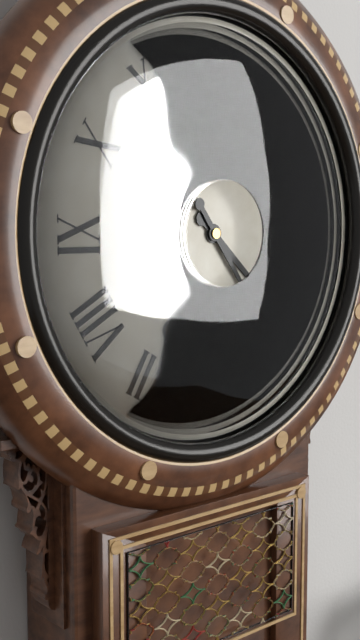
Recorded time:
{"hour": 4, "minute": 24}
